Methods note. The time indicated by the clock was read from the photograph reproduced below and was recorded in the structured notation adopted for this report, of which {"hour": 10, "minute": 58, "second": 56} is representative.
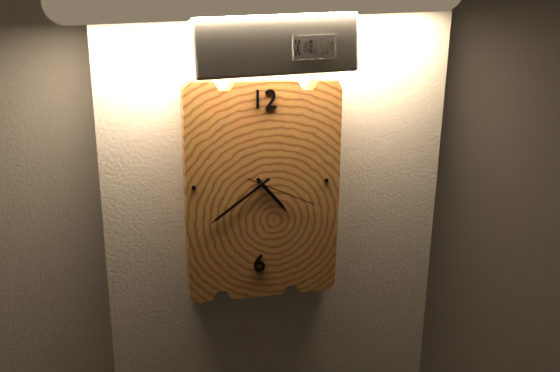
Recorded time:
{"hour": 4, "minute": 39, "second": 19}
